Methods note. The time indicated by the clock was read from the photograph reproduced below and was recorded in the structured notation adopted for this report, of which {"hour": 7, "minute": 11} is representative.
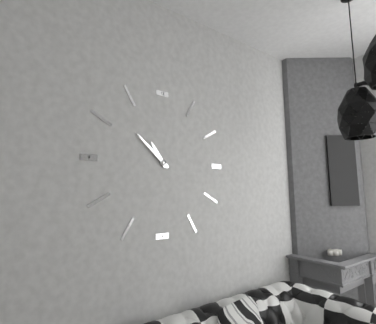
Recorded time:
{"hour": 10, "minute": 52}
